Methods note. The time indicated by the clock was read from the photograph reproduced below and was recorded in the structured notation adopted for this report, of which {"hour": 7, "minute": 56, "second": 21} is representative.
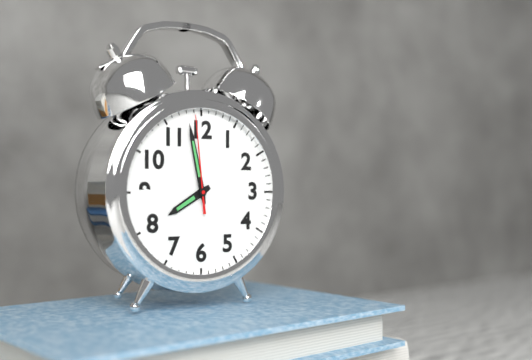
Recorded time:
{"hour": 7, "minute": 58, "second": 59}
